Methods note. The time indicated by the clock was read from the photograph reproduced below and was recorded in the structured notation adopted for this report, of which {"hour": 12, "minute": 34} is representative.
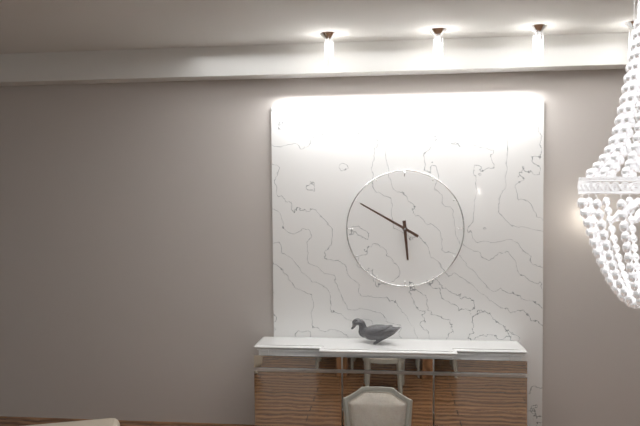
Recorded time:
{"hour": 5, "minute": 50}
